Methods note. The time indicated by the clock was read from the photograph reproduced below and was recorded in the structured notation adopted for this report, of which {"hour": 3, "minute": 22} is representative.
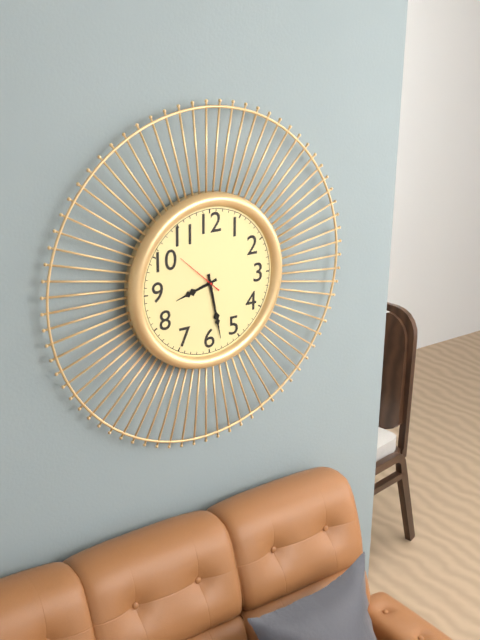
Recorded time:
{"hour": 8, "minute": 28}
